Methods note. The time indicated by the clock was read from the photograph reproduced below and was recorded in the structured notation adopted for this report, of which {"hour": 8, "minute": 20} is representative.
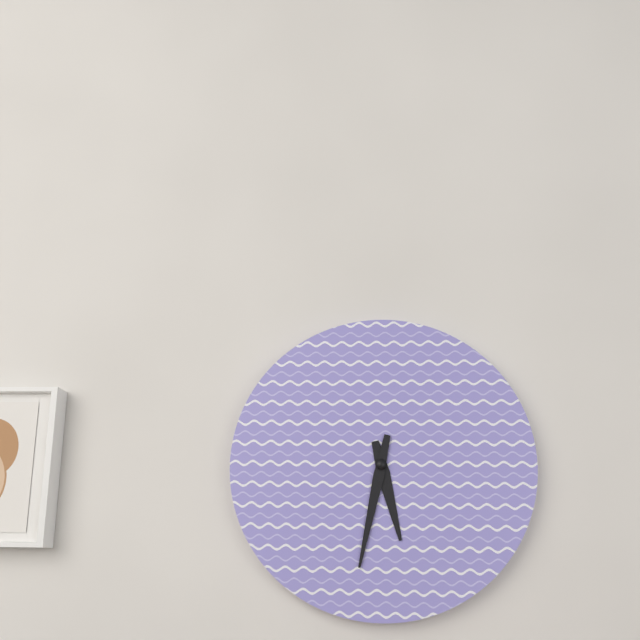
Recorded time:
{"hour": 5, "minute": 32}
